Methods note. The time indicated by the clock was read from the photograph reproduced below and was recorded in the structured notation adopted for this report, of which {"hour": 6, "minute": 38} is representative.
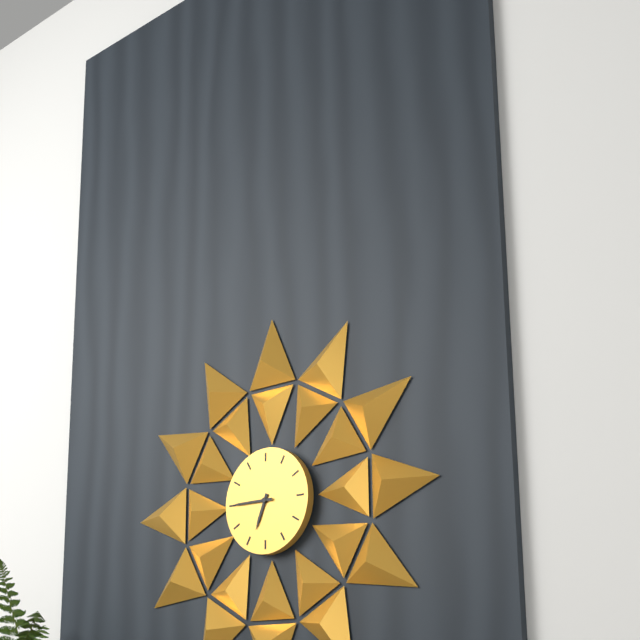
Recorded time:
{"hour": 6, "minute": 45}
